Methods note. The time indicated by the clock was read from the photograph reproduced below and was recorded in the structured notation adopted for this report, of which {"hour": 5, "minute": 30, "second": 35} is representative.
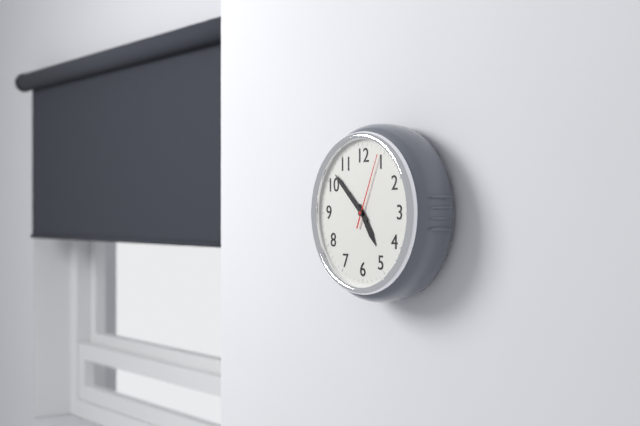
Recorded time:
{"hour": 4, "minute": 52, "second": 4}
